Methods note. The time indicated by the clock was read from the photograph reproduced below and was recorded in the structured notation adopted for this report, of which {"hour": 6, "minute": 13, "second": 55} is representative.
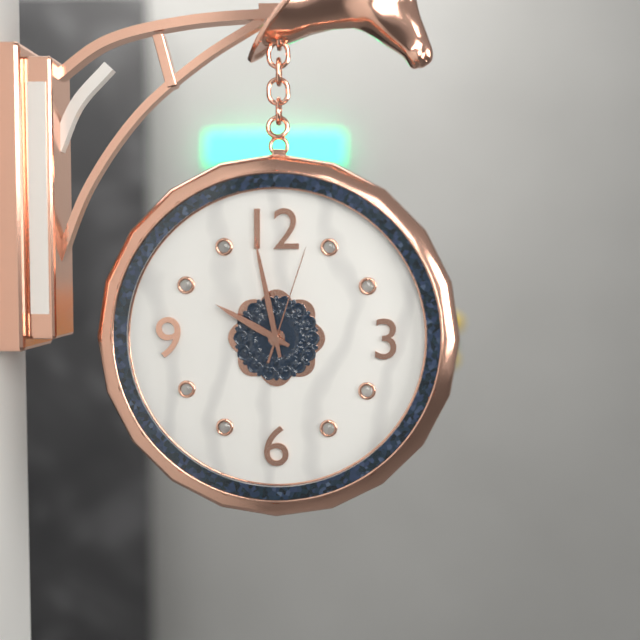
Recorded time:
{"hour": 9, "minute": 58, "second": 3}
